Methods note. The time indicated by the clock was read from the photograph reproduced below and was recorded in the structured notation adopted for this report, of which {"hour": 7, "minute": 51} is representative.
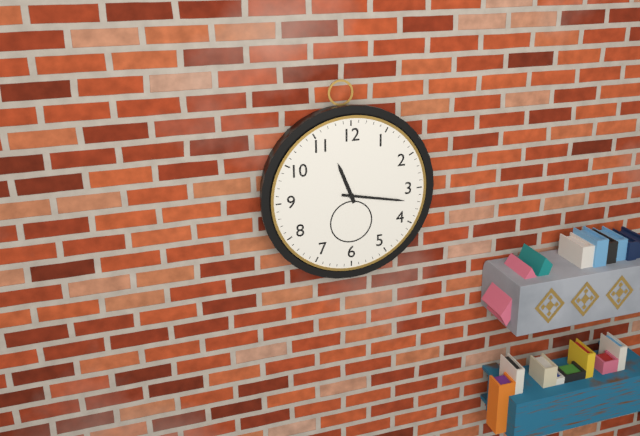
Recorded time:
{"hour": 11, "minute": 17}
